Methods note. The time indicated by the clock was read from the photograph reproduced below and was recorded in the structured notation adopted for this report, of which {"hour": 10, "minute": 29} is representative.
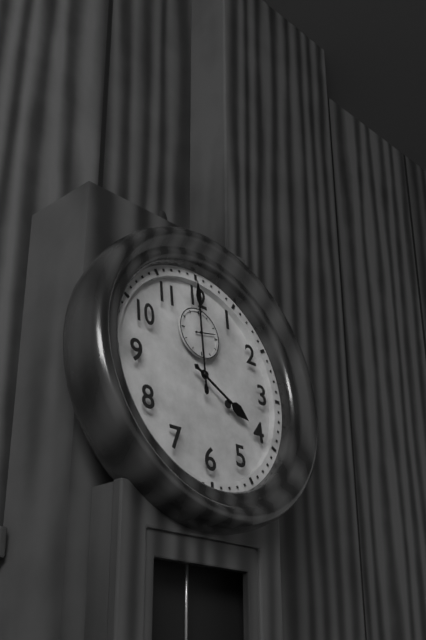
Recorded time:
{"hour": 4, "minute": 0}
